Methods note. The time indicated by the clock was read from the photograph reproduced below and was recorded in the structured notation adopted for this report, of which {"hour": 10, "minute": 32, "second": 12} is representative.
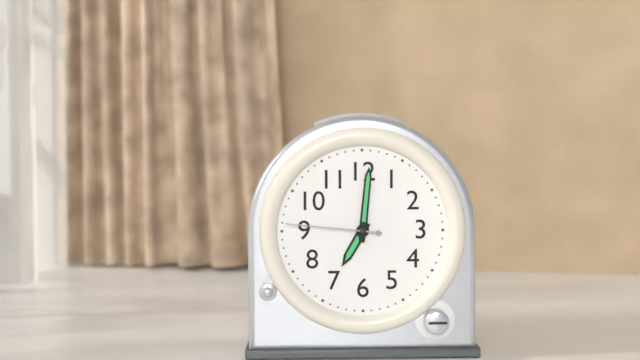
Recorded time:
{"hour": 7, "minute": 1, "second": 46}
